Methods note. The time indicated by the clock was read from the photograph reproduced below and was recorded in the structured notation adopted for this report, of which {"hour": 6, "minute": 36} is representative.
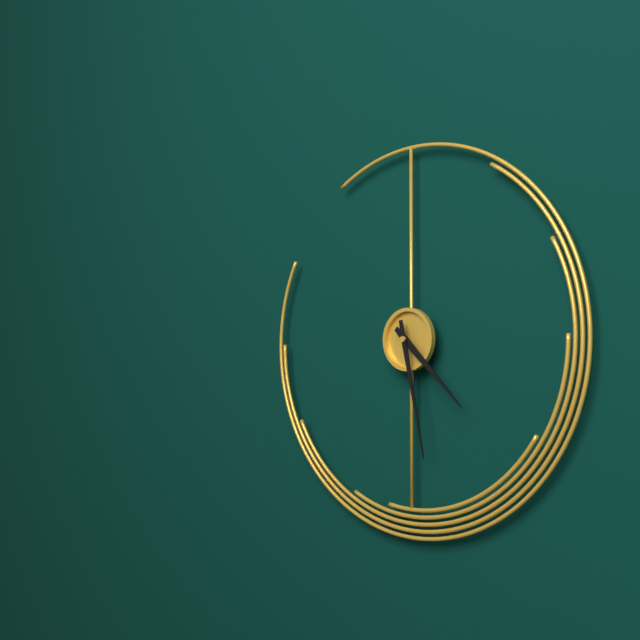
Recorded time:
{"hour": 4, "minute": 28}
